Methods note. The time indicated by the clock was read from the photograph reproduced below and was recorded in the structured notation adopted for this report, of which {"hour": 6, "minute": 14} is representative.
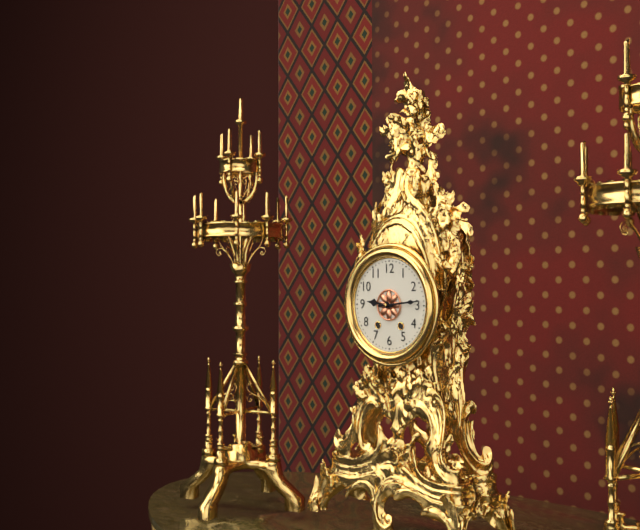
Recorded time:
{"hour": 9, "minute": 14}
